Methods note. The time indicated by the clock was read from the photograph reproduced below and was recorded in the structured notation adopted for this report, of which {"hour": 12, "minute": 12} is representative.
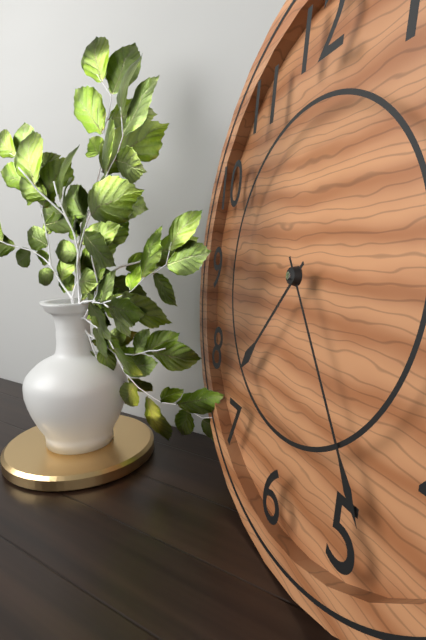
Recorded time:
{"hour": 7, "minute": 24}
